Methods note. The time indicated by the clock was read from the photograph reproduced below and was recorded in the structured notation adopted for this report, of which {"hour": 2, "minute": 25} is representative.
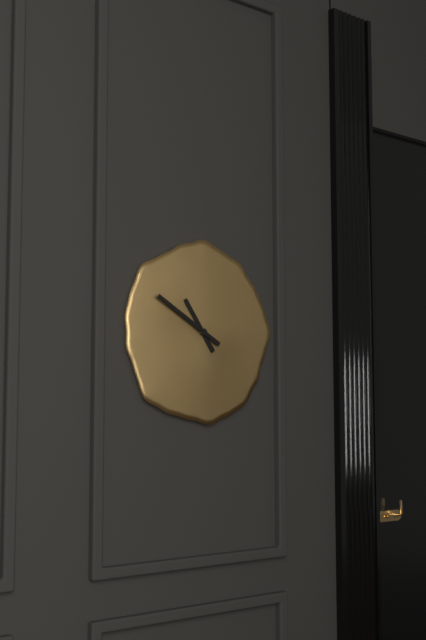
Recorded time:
{"hour": 10, "minute": 50}
